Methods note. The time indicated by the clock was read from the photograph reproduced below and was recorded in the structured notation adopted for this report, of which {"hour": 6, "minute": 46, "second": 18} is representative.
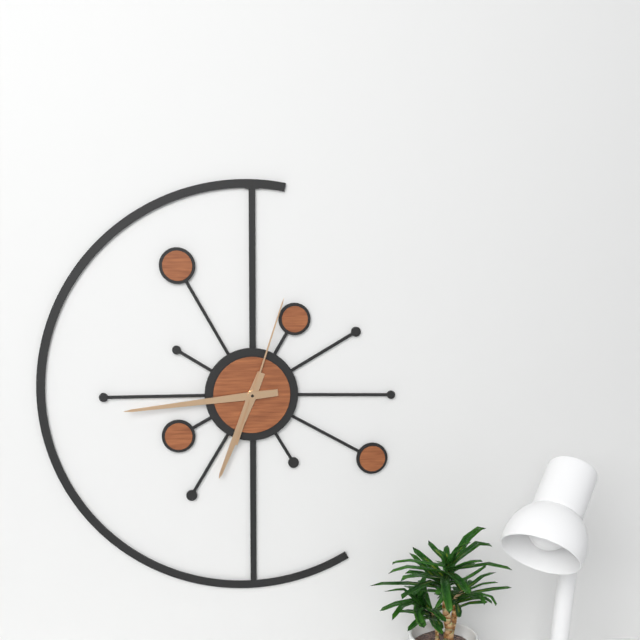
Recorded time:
{"hour": 6, "minute": 44, "second": 3}
